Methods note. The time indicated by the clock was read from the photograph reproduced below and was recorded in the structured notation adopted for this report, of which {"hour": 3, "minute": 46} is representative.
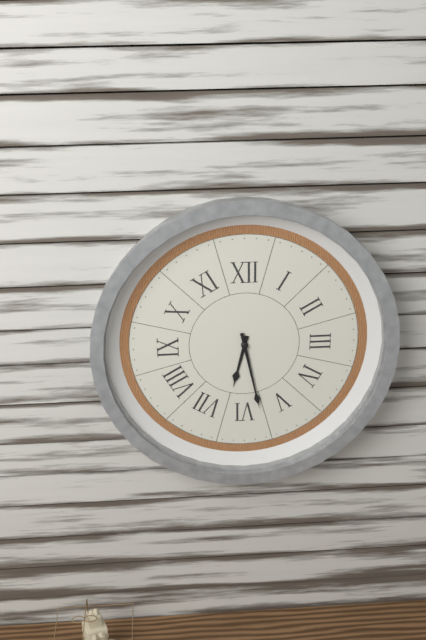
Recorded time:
{"hour": 6, "minute": 28}
